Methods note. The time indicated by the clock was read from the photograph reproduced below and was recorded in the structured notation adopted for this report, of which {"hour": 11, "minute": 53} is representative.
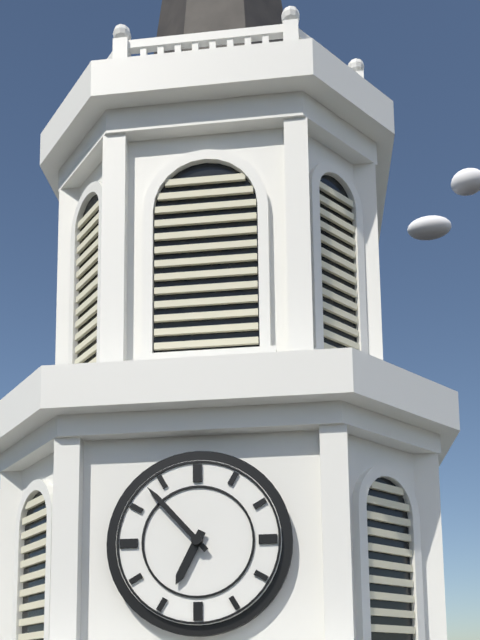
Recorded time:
{"hour": 6, "minute": 53}
